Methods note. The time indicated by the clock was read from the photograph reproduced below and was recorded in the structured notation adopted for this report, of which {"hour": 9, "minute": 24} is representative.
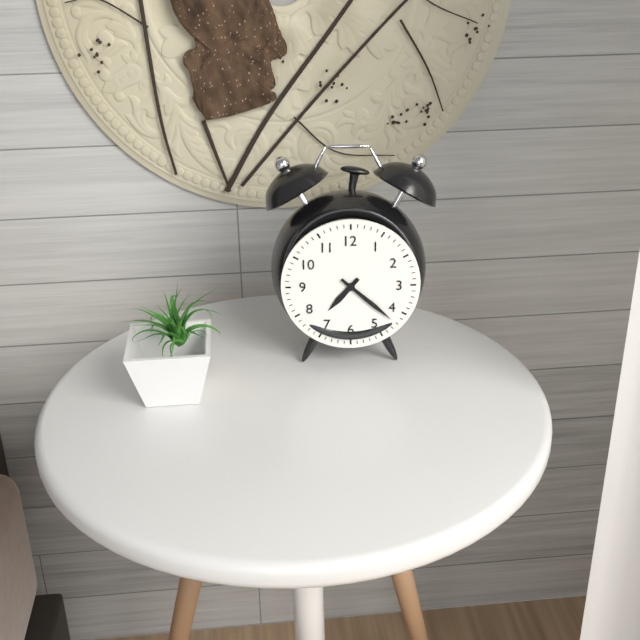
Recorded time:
{"hour": 7, "minute": 22}
